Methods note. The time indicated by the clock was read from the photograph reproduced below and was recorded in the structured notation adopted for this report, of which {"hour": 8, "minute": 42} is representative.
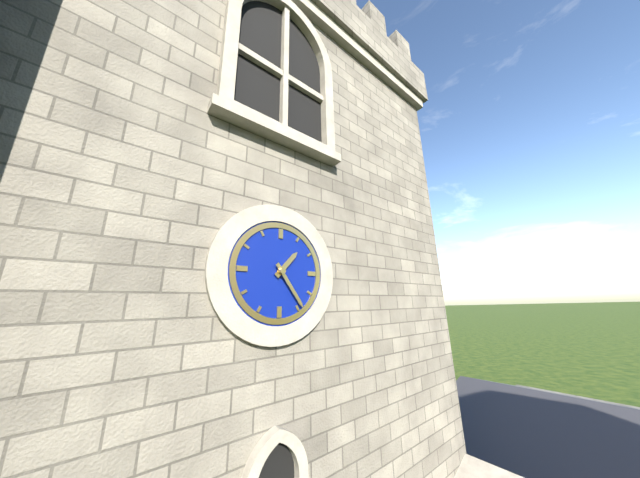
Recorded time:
{"hour": 1, "minute": 24}
